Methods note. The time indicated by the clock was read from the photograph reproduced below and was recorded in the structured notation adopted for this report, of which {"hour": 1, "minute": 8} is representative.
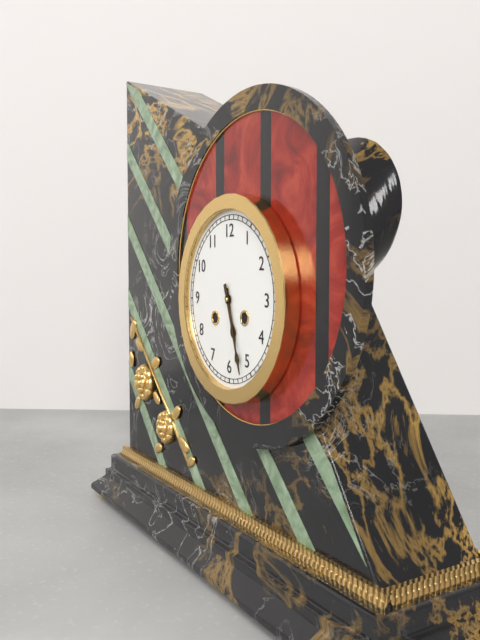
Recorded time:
{"hour": 5, "minute": 27}
